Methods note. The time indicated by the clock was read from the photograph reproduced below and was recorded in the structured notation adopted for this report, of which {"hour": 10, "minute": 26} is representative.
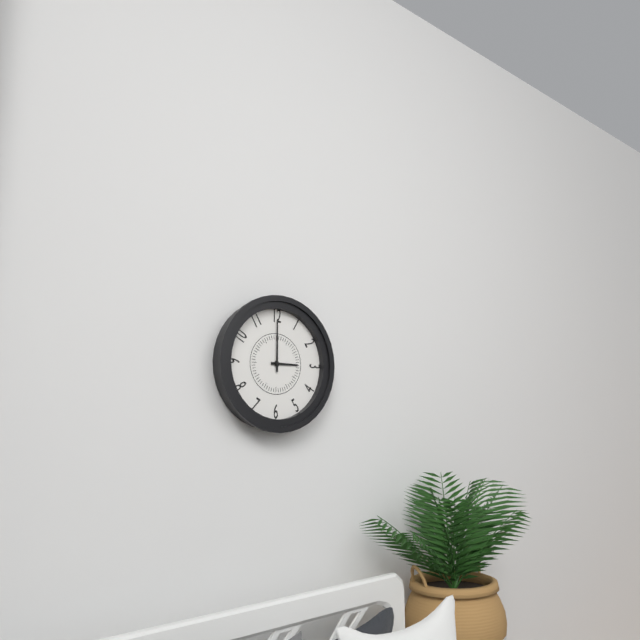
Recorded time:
{"hour": 3, "minute": 0}
